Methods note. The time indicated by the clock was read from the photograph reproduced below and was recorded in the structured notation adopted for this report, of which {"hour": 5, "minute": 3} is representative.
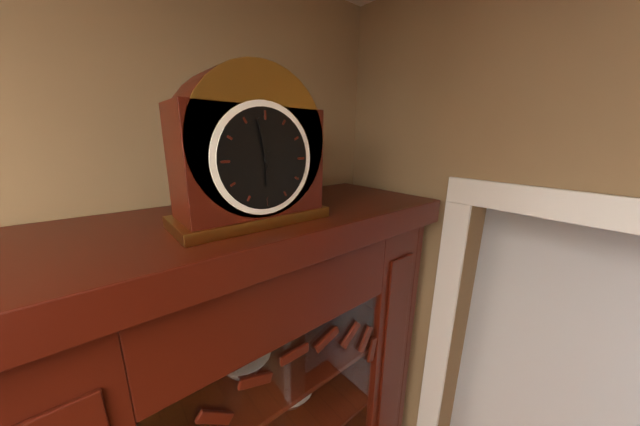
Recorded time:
{"hour": 5, "minute": 58}
